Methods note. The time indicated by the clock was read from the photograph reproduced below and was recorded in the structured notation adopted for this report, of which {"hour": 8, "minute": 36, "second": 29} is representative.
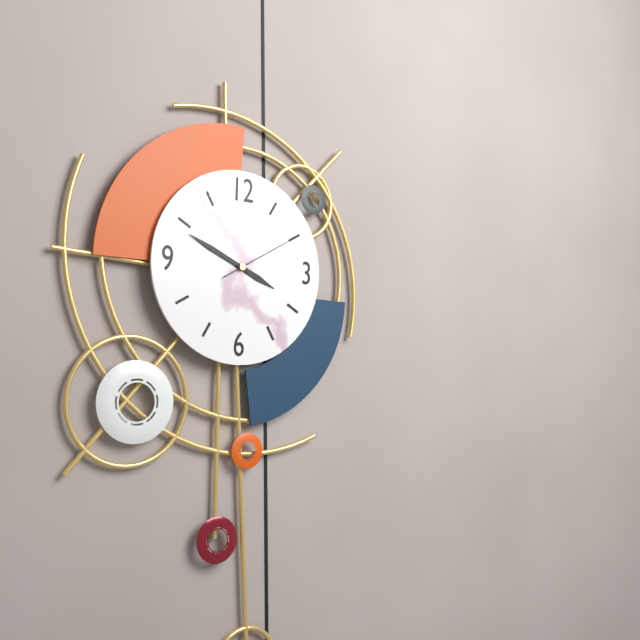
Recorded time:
{"hour": 3, "minute": 49, "second": 10}
